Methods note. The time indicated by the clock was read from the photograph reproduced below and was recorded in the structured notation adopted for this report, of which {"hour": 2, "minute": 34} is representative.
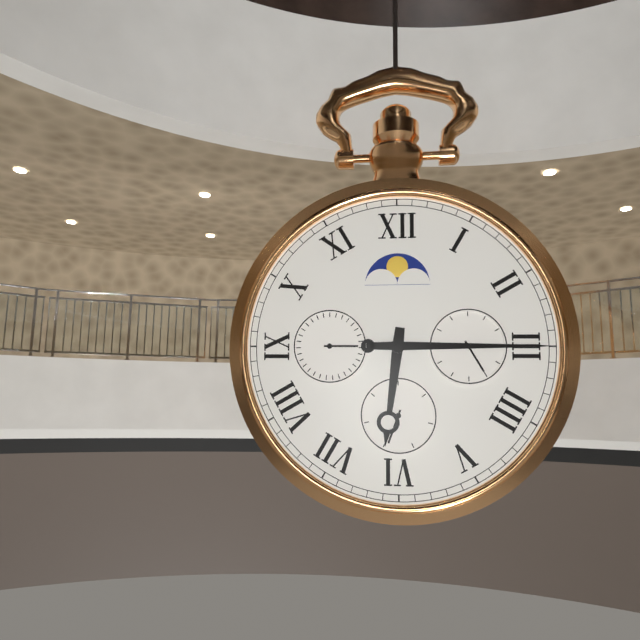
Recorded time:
{"hour": 6, "minute": 15}
